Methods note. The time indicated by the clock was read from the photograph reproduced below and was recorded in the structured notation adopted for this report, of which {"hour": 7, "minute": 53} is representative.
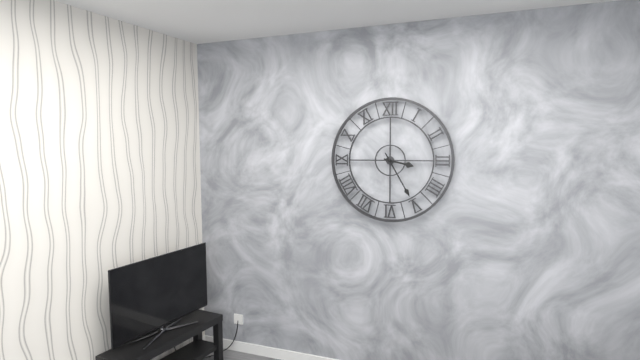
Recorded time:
{"hour": 3, "minute": 25}
